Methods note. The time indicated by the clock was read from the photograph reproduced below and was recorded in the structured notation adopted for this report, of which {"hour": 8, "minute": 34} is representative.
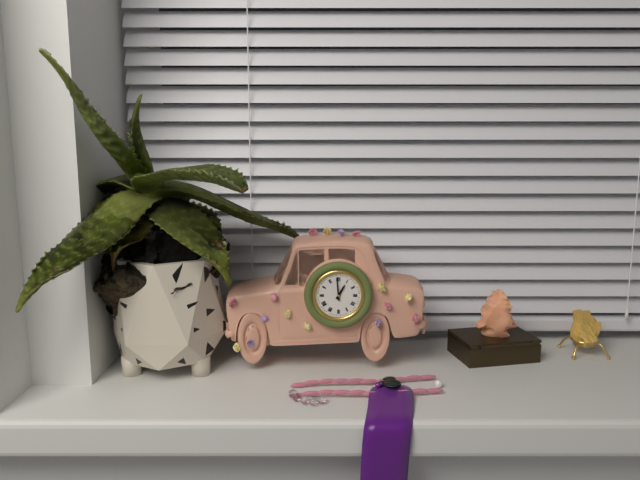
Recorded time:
{"hour": 12, "minute": 59}
